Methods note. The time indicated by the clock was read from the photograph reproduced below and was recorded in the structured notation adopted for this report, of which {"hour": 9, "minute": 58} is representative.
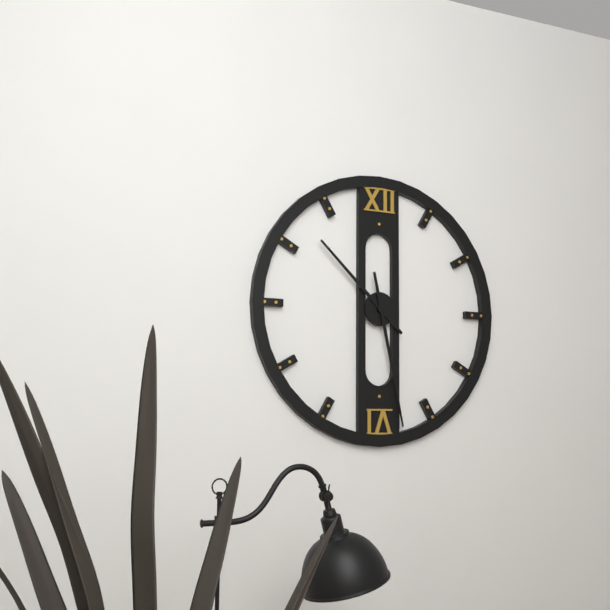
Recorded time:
{"hour": 10, "minute": 28}
